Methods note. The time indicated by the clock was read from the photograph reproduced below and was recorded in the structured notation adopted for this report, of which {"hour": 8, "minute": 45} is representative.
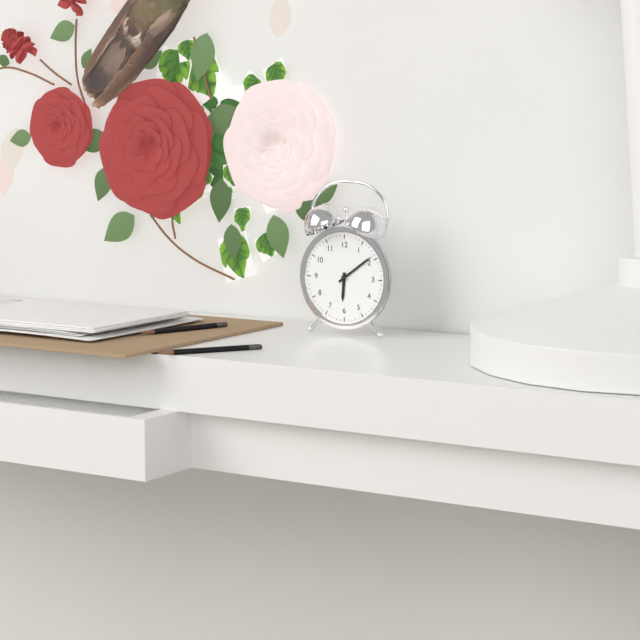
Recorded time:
{"hour": 6, "minute": 9}
